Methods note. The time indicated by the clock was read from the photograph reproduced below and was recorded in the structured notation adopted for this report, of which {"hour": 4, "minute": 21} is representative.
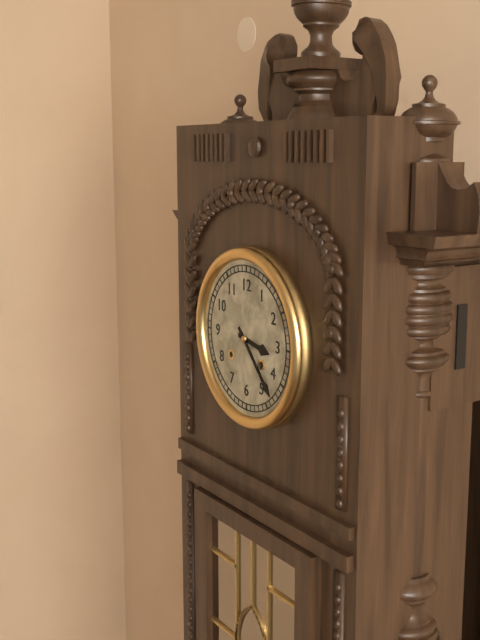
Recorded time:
{"hour": 3, "minute": 23}
